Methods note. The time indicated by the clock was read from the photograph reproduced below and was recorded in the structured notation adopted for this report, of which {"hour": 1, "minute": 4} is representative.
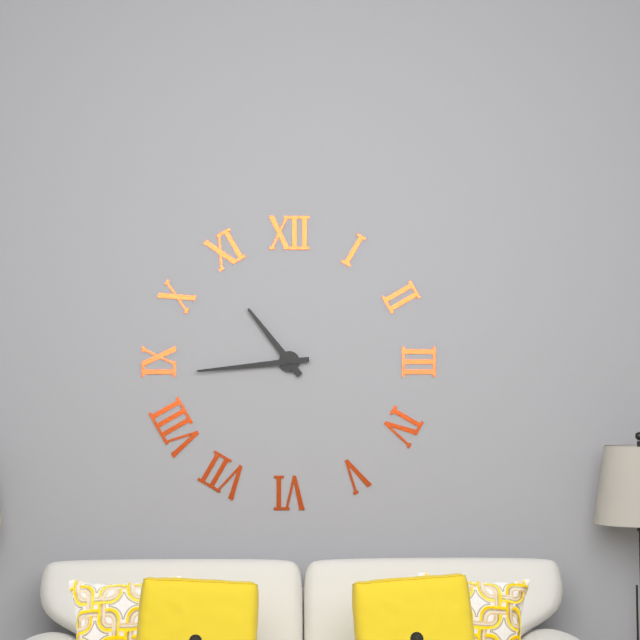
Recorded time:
{"hour": 10, "minute": 44}
